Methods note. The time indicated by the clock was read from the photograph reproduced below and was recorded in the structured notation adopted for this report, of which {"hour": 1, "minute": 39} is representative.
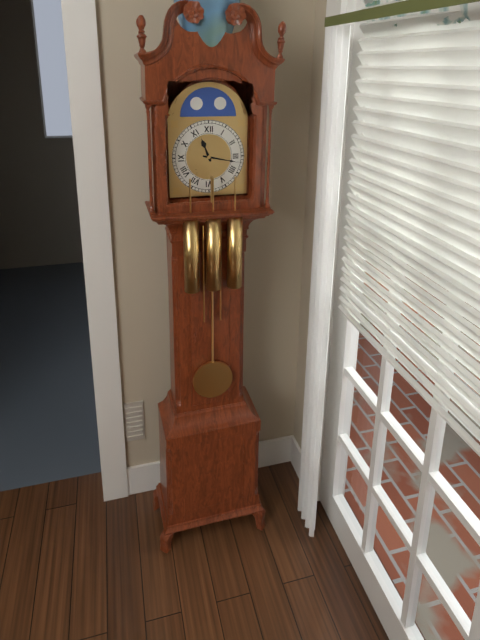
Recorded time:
{"hour": 11, "minute": 17}
